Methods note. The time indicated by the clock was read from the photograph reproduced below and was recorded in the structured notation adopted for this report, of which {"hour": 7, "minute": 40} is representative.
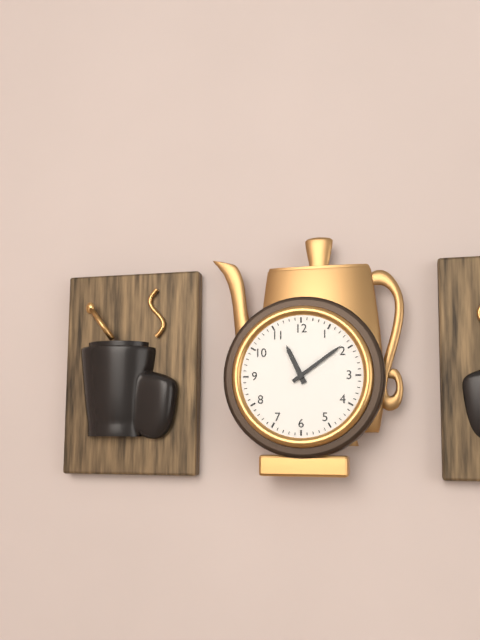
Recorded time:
{"hour": 11, "minute": 9}
